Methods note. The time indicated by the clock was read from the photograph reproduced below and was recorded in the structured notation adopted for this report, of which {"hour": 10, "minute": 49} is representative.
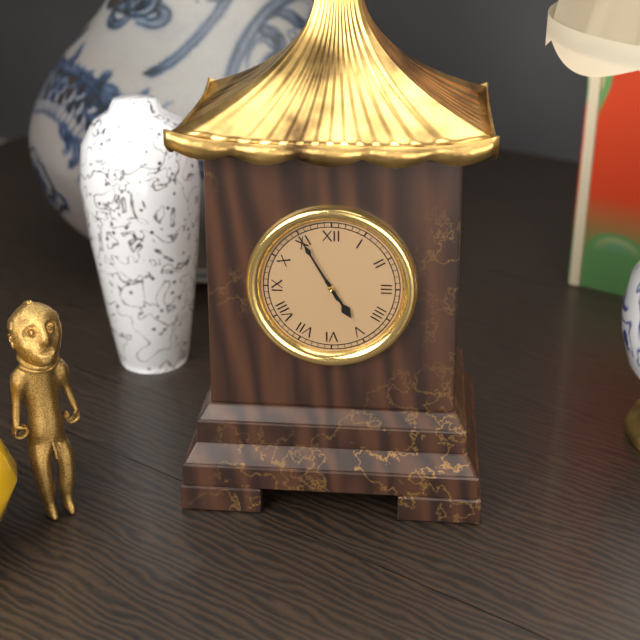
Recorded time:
{"hour": 4, "minute": 55}
